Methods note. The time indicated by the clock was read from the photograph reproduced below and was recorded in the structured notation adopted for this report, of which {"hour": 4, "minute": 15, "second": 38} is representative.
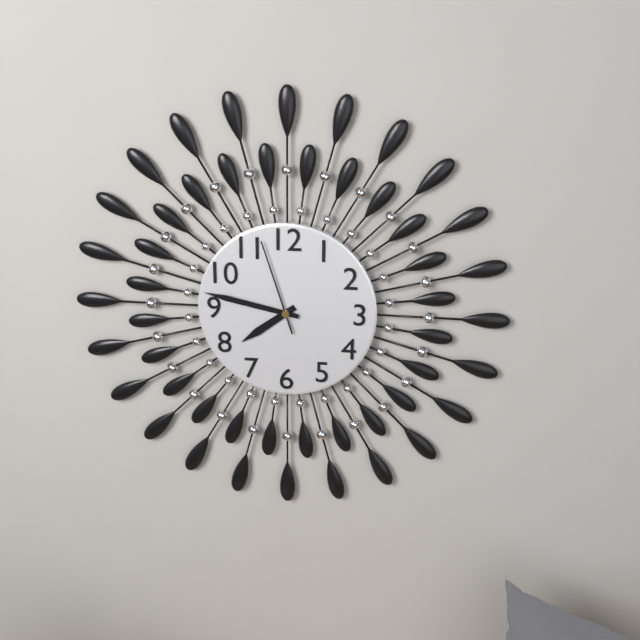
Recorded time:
{"hour": 7, "minute": 47, "second": 57}
